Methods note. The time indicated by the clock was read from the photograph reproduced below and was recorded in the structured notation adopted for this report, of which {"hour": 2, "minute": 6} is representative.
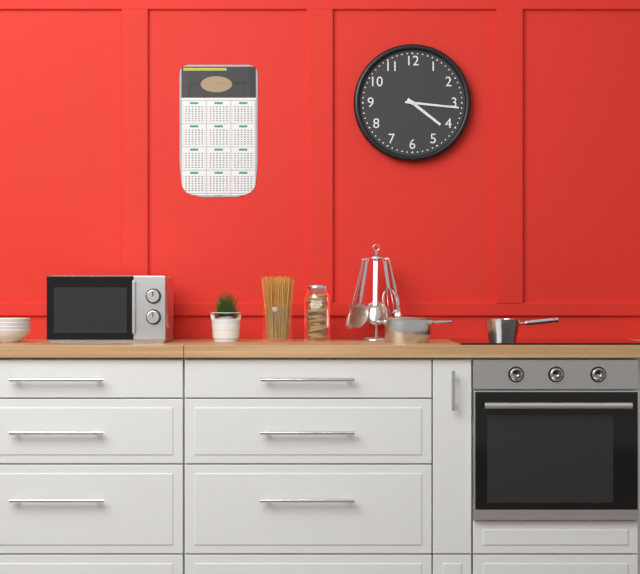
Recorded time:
{"hour": 4, "minute": 16}
